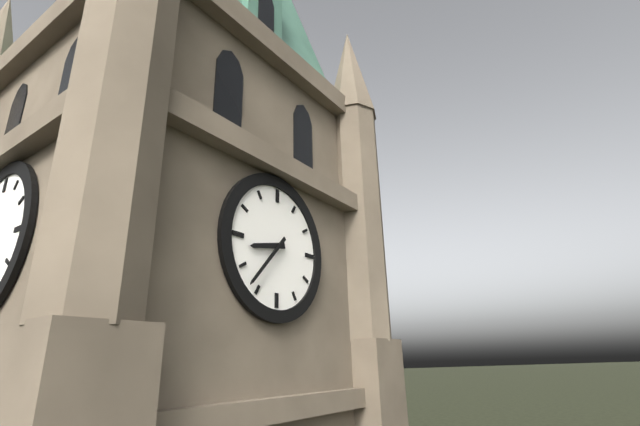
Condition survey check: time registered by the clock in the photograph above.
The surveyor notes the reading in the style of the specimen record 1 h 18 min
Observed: 8 h 37 min
